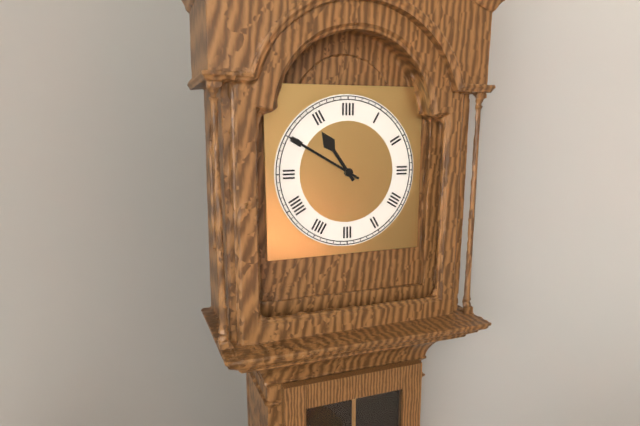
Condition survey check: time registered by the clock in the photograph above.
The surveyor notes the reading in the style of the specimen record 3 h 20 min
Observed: 10 h 50 min
